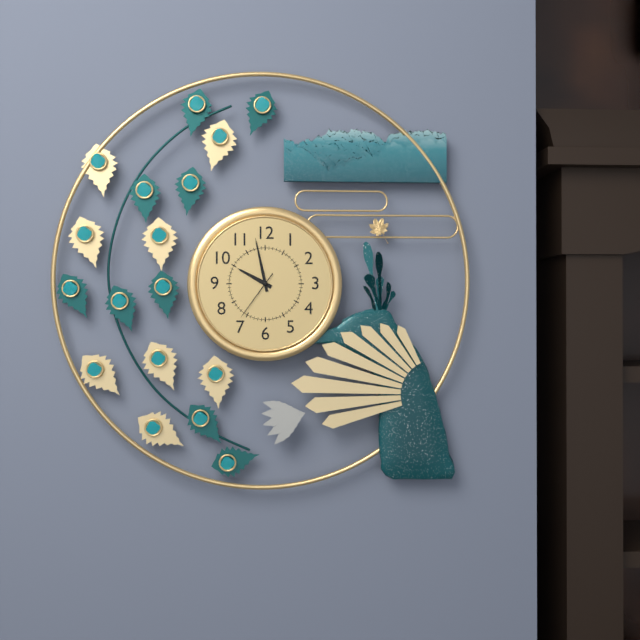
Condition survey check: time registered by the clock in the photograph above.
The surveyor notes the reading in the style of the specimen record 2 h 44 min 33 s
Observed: 9 h 58 min 36 s
